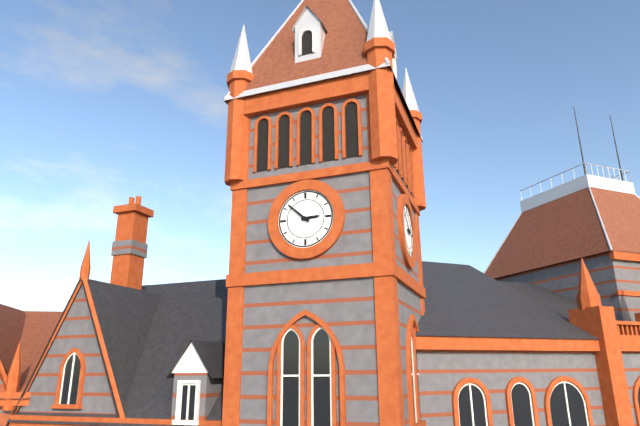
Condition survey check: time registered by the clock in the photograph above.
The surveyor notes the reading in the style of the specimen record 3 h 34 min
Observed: 2 h 52 min
